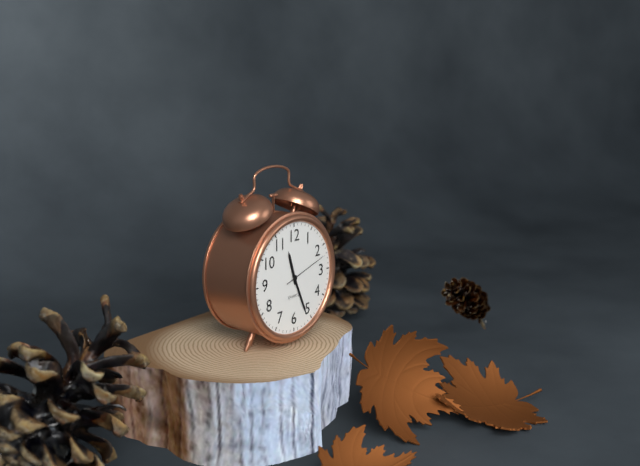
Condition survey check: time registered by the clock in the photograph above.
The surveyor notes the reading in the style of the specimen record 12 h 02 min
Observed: 11 h 26 min
